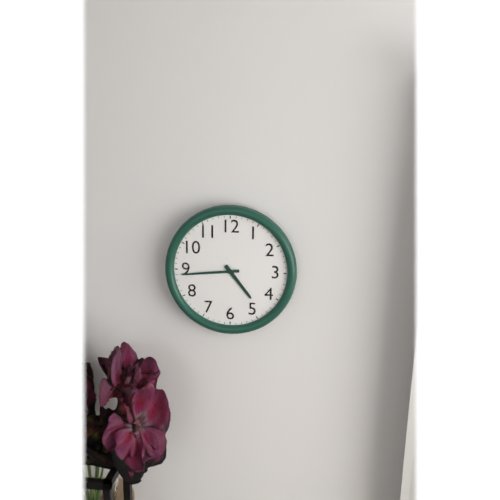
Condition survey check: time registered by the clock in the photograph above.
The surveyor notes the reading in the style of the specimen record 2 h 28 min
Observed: 4 h 44 min
